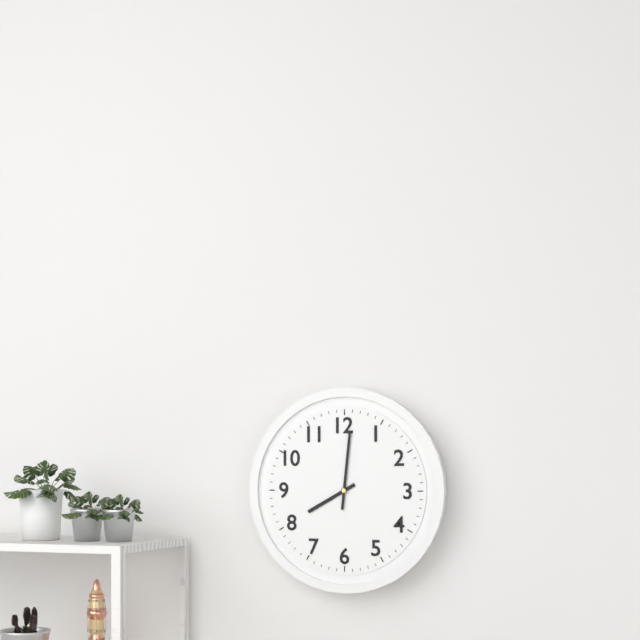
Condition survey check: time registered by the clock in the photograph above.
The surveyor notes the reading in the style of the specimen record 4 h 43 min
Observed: 8 h 01 min
